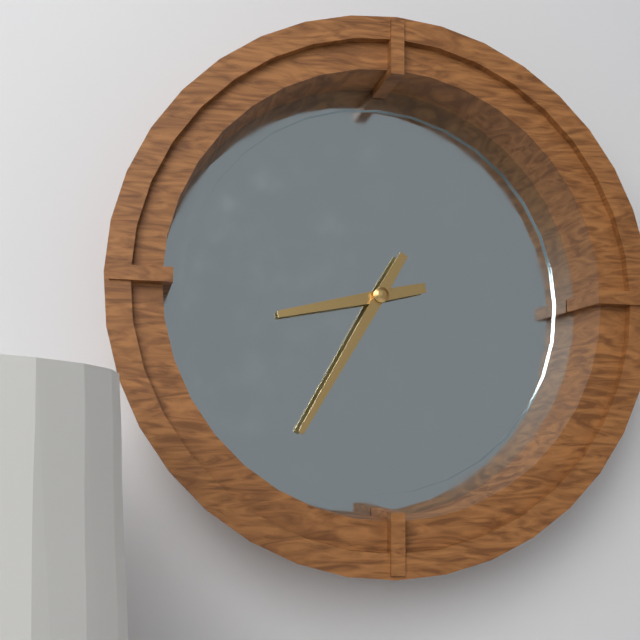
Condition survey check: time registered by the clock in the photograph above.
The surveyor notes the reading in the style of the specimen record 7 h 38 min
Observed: 8 h 35 min
